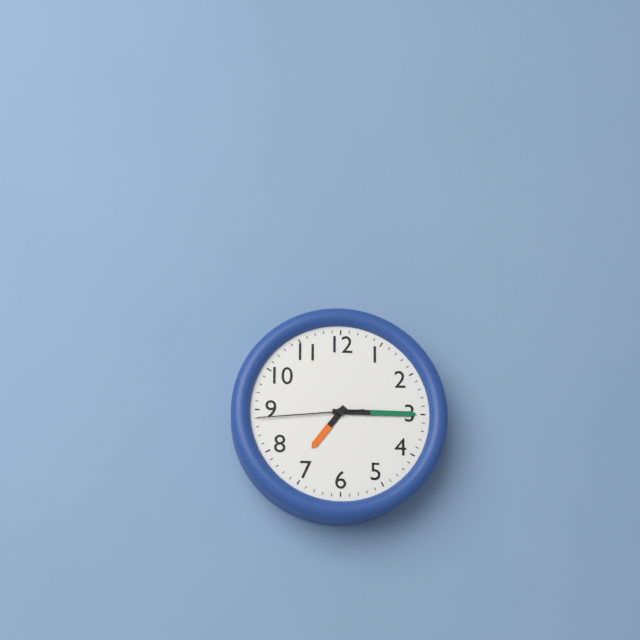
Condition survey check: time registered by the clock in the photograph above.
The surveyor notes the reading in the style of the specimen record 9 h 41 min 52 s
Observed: 7 h 15 min 44 s
